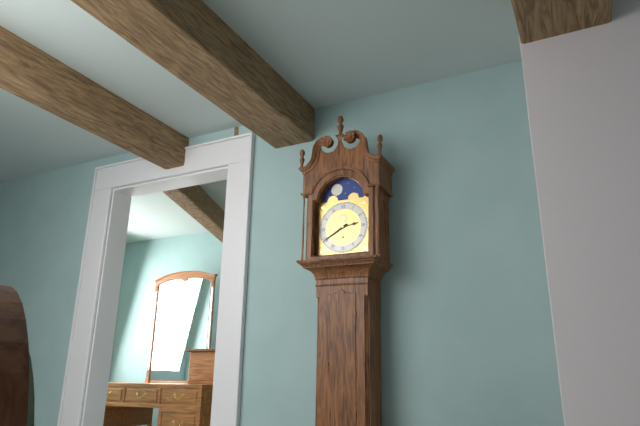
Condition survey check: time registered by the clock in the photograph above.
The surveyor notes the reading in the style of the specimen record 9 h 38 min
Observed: 2 h 40 min
